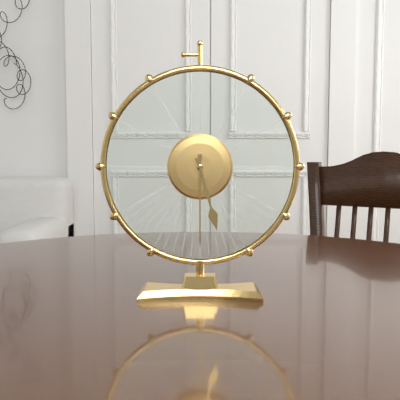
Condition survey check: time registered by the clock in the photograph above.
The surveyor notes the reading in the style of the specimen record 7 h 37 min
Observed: 5 h 30 min
